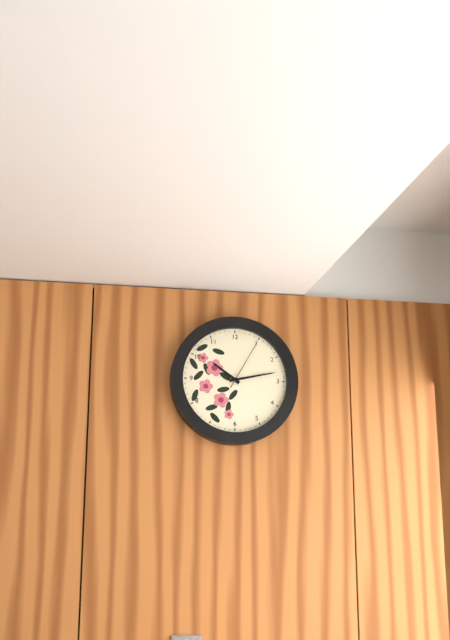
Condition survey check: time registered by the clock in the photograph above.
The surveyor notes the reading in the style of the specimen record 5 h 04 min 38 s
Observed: 10 h 13 min 05 s
